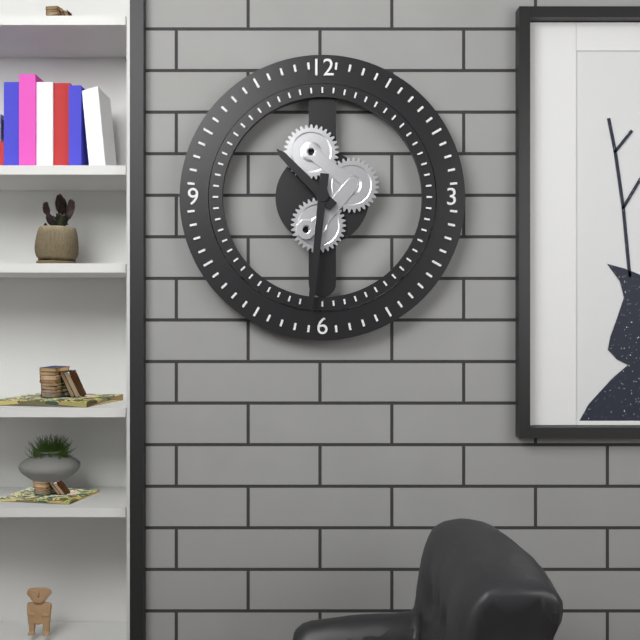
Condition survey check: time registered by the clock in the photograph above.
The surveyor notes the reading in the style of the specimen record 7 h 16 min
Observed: 10 h 31 min
